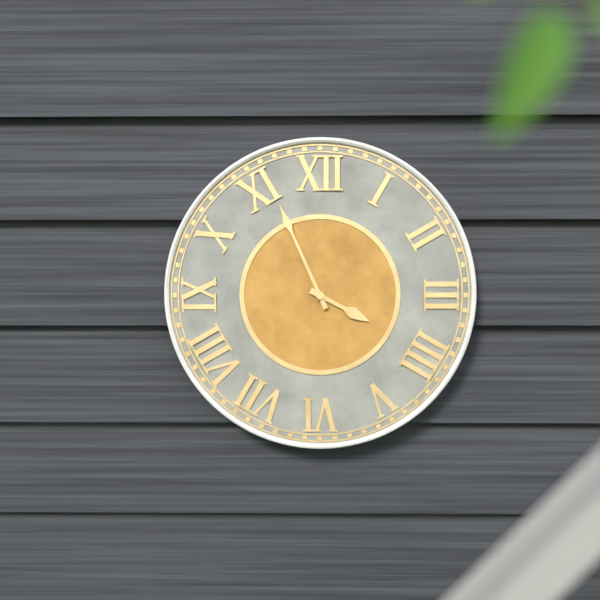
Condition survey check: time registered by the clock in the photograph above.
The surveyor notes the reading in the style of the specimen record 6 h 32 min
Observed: 3 h 56 min
